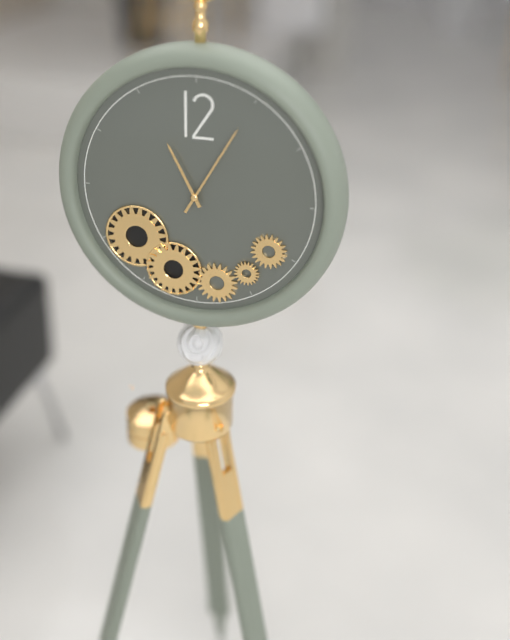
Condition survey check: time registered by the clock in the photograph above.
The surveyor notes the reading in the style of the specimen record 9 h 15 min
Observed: 11 h 05 min
